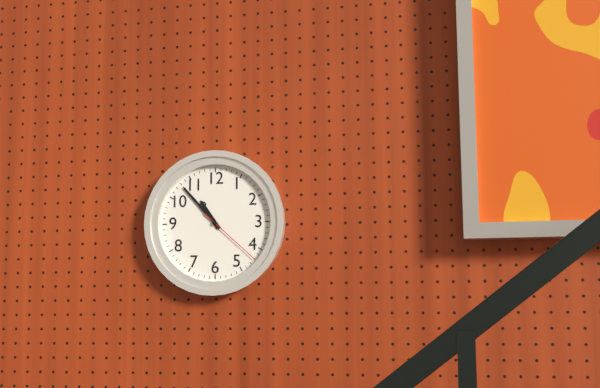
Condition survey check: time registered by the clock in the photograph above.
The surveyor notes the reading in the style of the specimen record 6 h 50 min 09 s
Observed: 10 h 53 min 22 s
